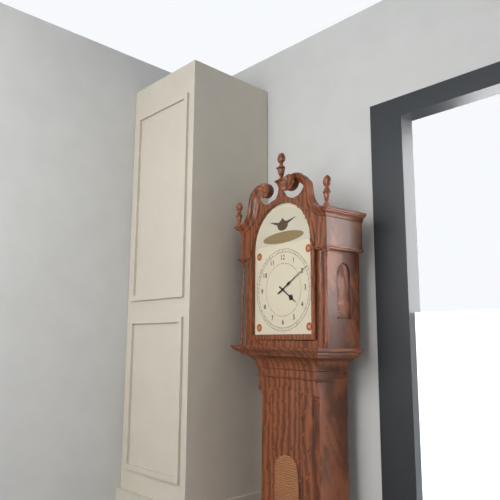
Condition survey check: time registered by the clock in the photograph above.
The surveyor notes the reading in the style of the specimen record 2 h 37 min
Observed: 4 h 10 min
